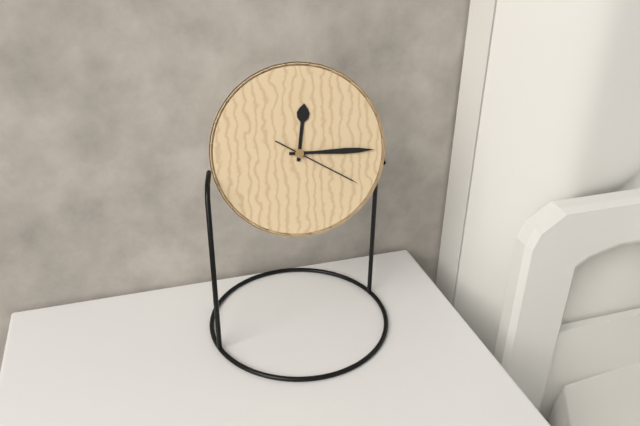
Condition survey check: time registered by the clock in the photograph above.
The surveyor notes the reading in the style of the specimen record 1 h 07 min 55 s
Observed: 12 h 15 min 20 s
